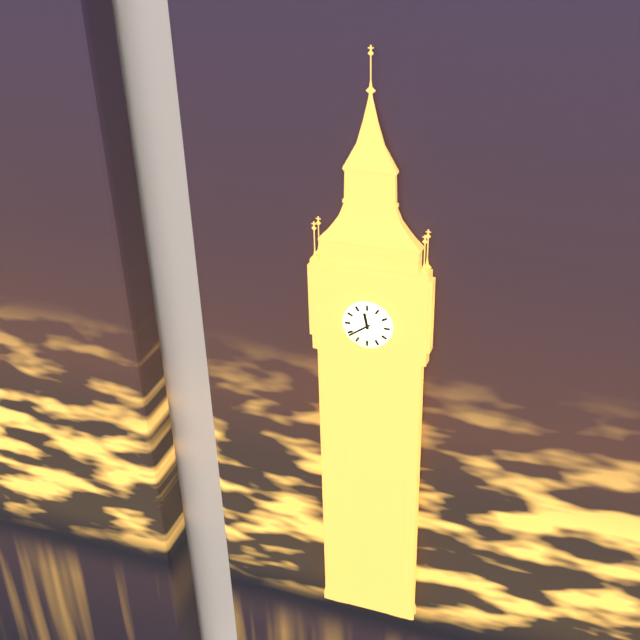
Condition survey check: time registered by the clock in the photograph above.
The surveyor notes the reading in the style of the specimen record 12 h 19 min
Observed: 11 h 39 min
